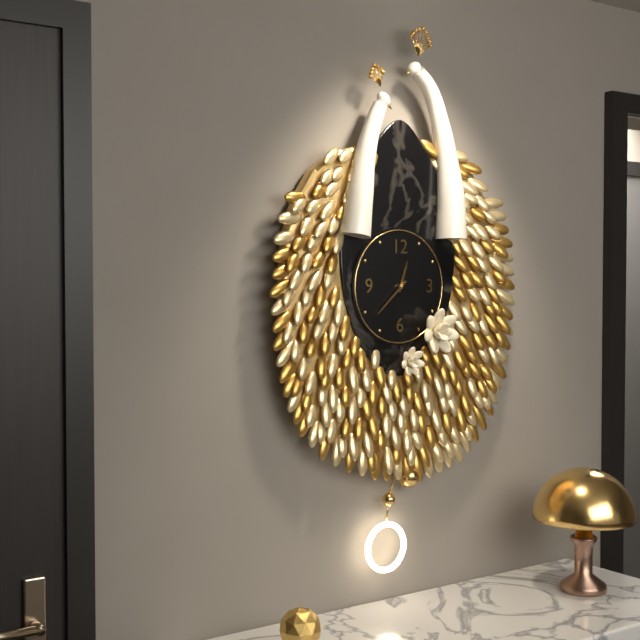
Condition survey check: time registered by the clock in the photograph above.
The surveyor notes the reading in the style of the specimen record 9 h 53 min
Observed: 12 h 38 min
